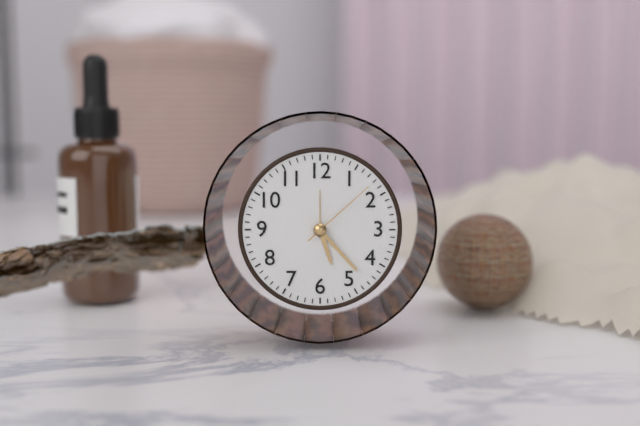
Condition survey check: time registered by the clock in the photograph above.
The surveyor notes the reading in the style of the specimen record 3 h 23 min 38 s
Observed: 5 h 23 min 08 s
